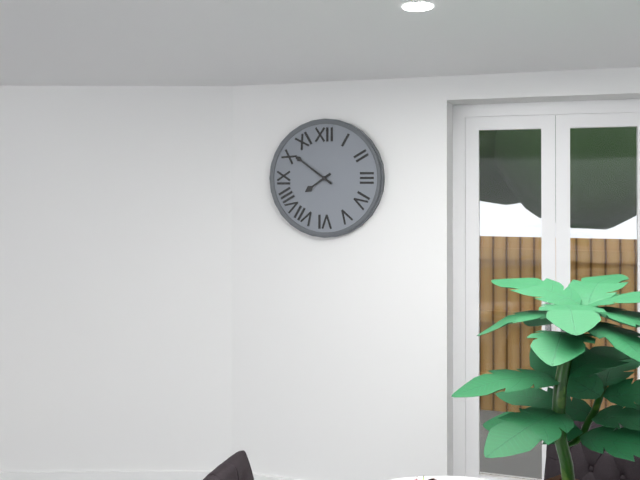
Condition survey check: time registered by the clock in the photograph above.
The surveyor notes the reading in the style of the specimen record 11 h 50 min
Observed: 7 h 51 min
